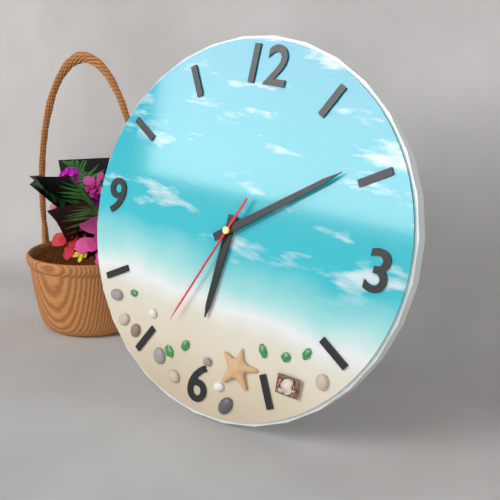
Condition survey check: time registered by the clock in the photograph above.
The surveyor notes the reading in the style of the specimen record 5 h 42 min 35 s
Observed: 6 h 09 min 34 s
